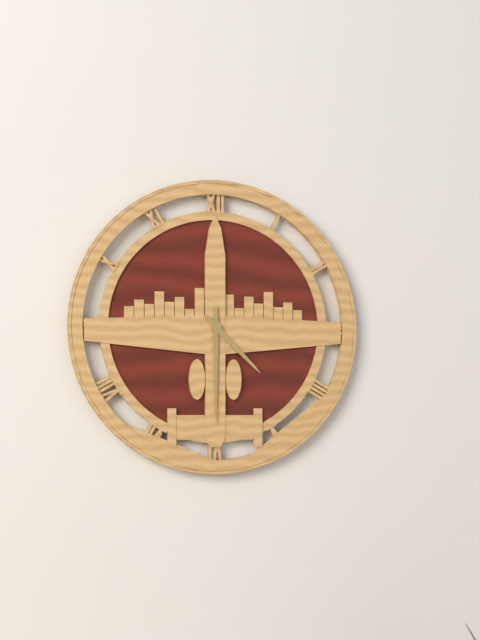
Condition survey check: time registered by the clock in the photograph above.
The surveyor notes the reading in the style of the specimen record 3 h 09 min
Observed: 4 h 30 min
